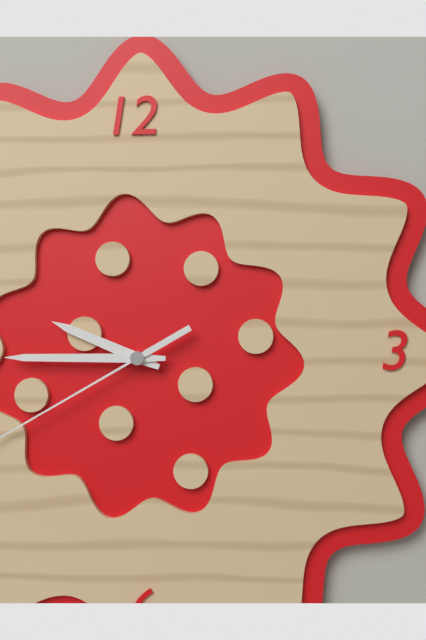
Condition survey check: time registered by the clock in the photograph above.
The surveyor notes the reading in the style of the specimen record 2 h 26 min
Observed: 9 h 45 min
